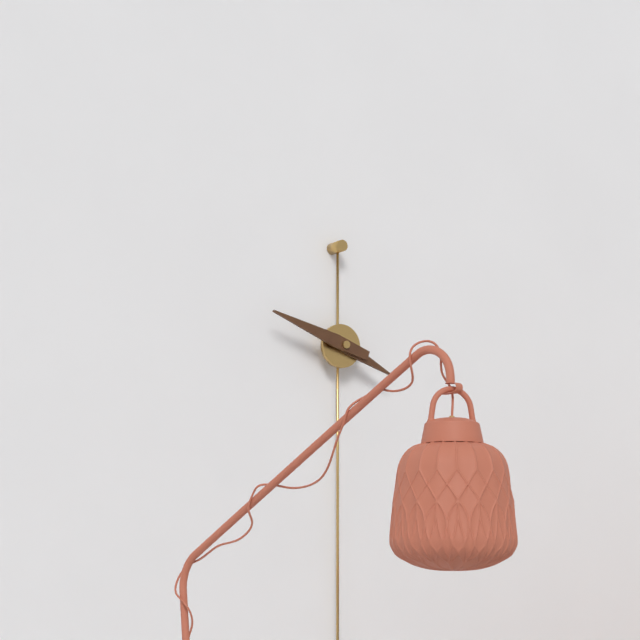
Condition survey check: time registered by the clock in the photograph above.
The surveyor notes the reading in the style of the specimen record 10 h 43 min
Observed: 3 h 48 min
